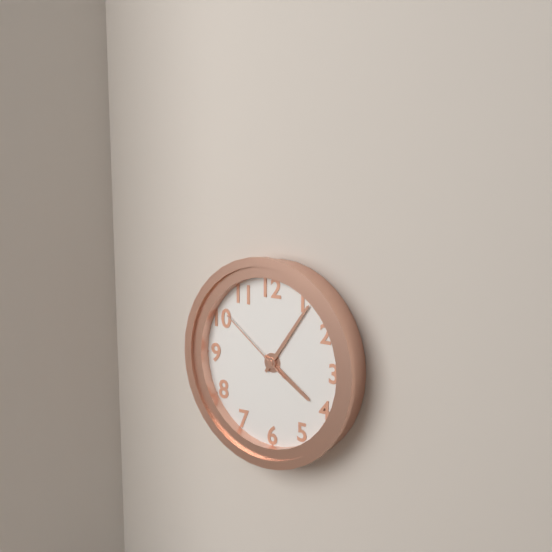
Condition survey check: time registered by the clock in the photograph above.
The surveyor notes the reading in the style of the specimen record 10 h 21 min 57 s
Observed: 4 h 06 min 51 s
